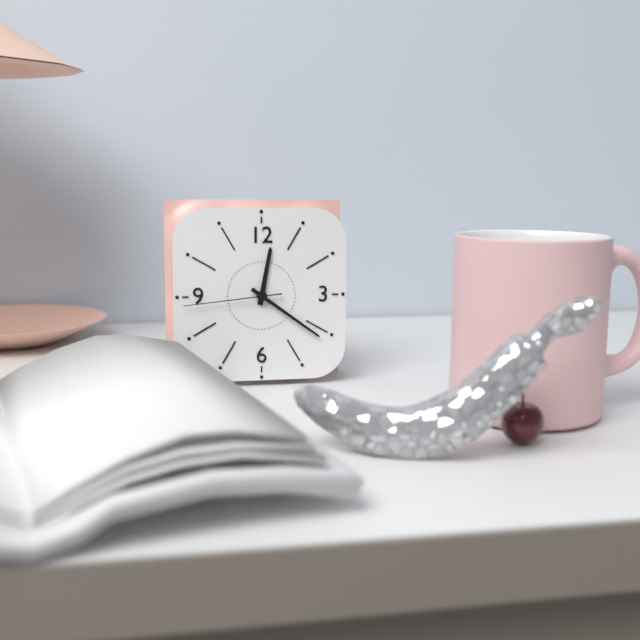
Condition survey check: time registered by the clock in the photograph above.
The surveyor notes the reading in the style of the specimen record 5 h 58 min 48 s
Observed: 12 h 21 min 44 s
